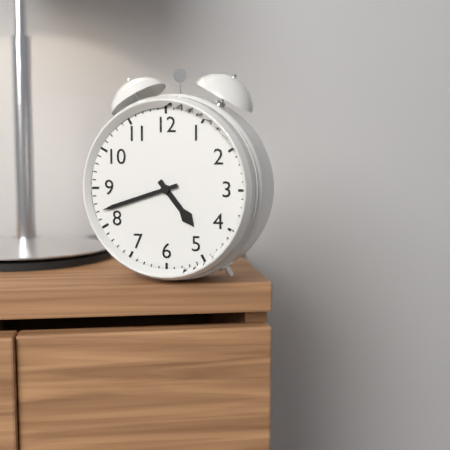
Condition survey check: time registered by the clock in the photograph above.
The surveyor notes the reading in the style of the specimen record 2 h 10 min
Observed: 4 h 42 min
